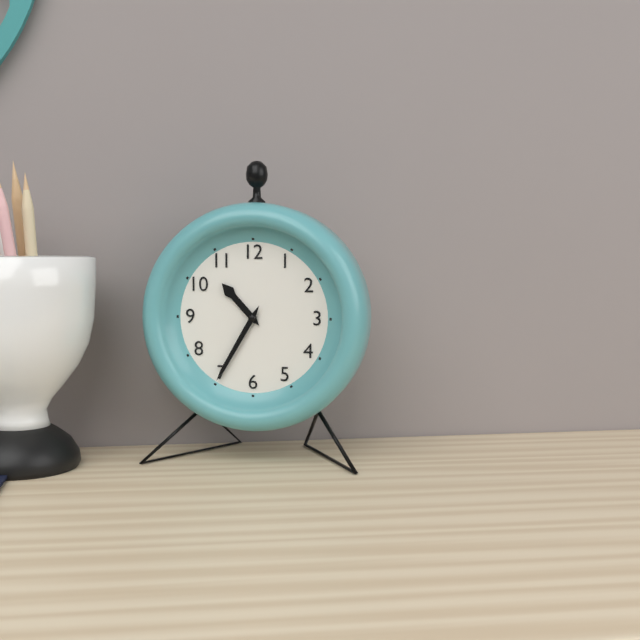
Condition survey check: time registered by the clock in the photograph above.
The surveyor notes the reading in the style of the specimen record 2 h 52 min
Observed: 10 h 35 min
